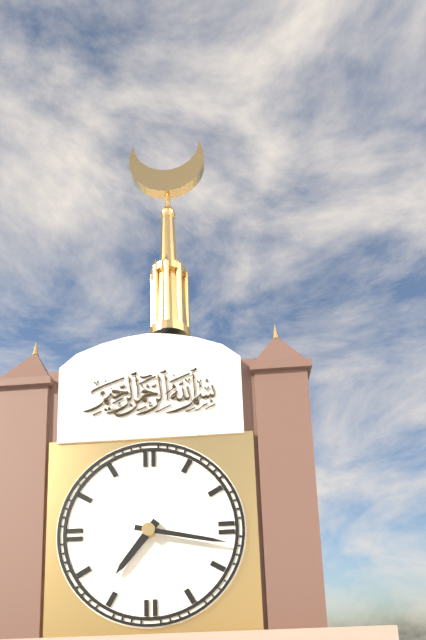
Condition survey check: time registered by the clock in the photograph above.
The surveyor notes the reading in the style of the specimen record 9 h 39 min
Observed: 7 h 17 min
